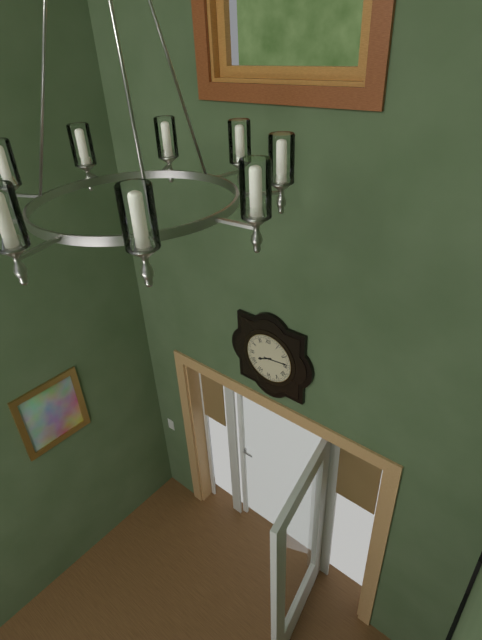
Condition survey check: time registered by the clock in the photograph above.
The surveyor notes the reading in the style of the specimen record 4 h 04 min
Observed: 8 h 14 min
